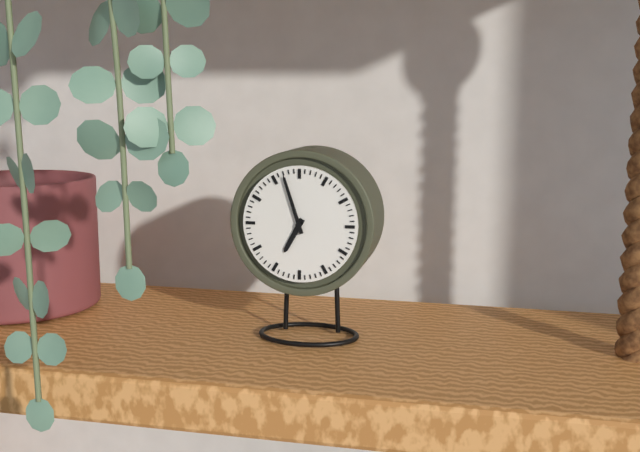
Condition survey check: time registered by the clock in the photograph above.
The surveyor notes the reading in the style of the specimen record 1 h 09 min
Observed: 6 h 57 min
